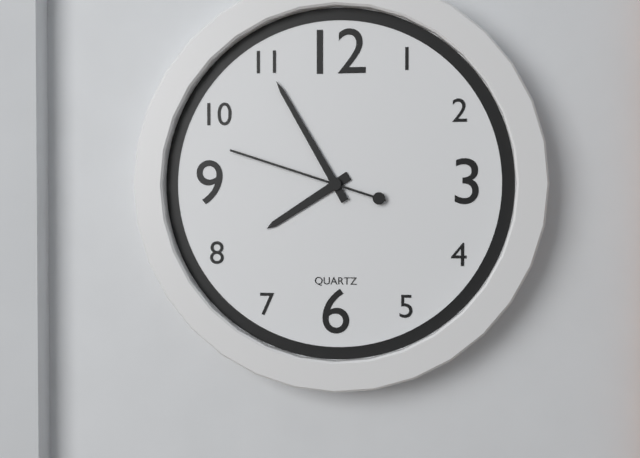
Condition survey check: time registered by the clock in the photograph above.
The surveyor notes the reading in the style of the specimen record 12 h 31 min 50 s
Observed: 7 h 55 min 48 s
